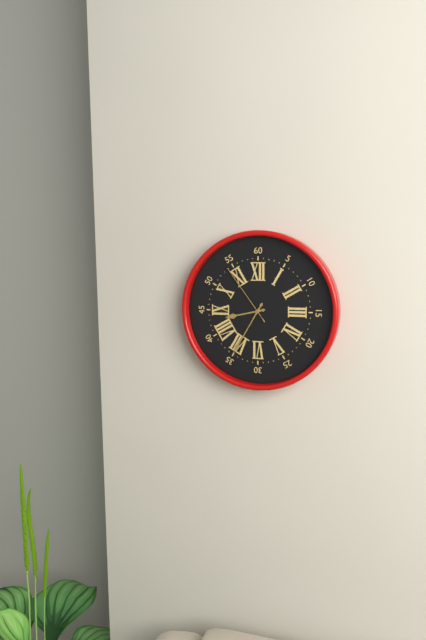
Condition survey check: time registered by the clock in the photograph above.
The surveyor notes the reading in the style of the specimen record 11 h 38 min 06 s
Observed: 8 h 35 min 54 s
